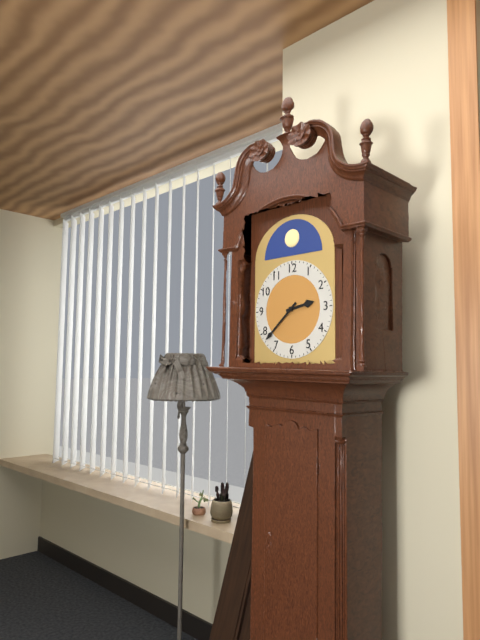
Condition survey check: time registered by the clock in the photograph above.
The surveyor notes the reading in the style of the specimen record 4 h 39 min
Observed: 2 h 38 min
